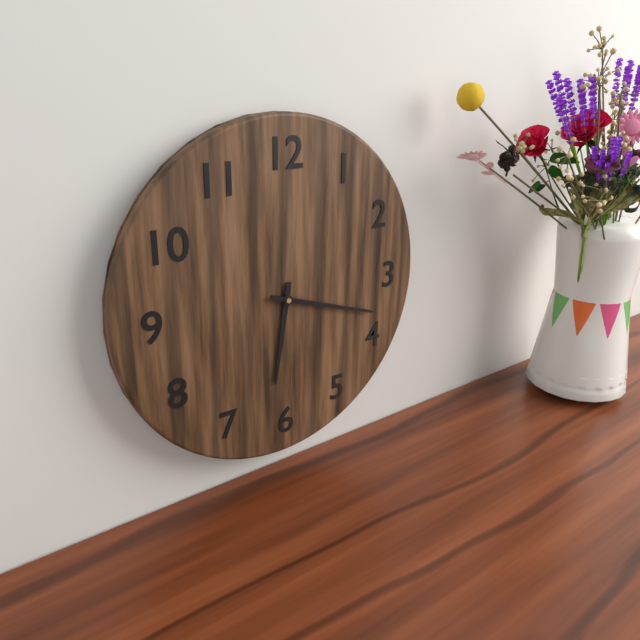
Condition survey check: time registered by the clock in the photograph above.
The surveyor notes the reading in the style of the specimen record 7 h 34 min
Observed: 6 h 18 min
